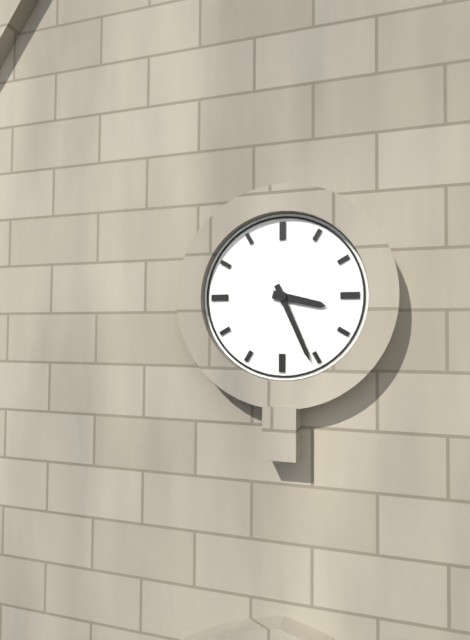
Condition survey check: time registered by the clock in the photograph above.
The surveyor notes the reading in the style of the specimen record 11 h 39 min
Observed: 3 h 26 min
